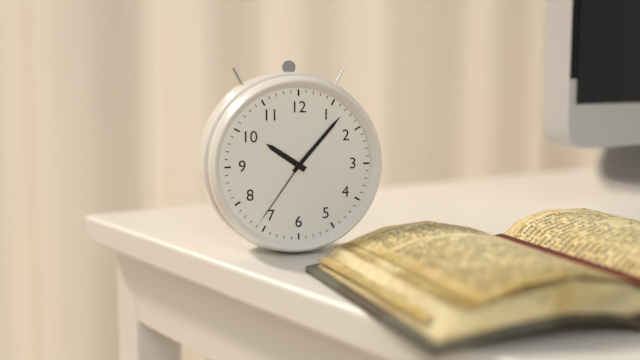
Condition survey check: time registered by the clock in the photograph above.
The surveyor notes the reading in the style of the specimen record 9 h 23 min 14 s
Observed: 10 h 07 min 36 s
